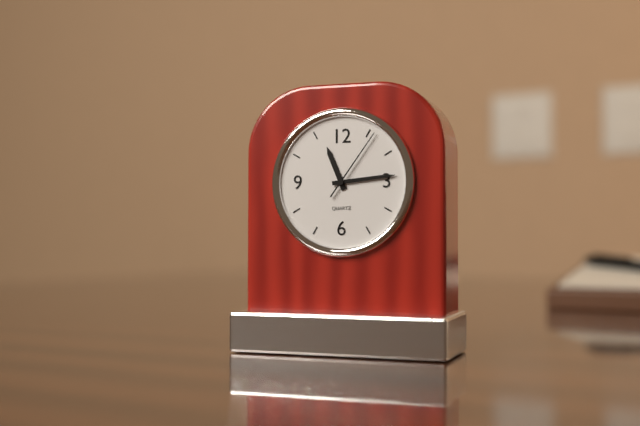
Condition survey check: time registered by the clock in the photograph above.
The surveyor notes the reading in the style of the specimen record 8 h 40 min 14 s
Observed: 11 h 14 min 06 s
